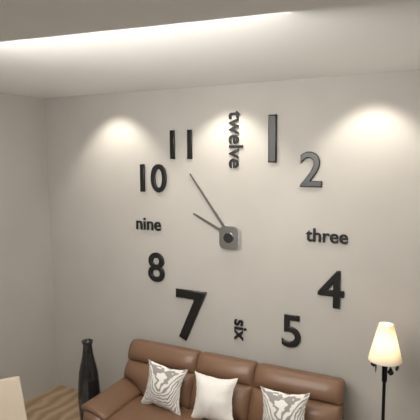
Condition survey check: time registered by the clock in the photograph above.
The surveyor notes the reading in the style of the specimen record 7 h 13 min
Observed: 9 h 54 min
